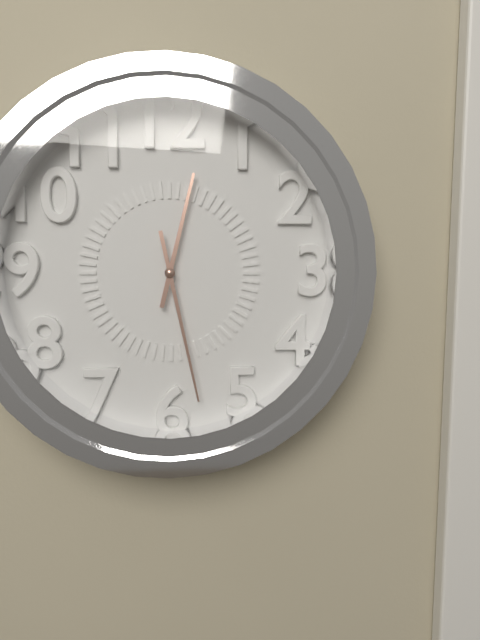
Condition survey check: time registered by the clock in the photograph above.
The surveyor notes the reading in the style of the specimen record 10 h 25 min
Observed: 12 h 28 min
